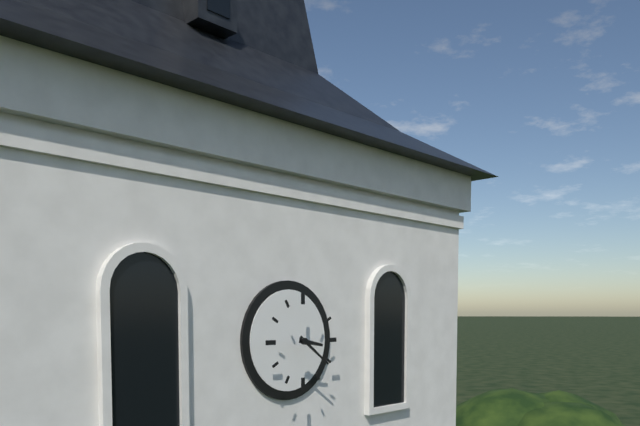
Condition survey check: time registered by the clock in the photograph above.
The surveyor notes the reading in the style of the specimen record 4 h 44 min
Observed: 3 h 21 min
